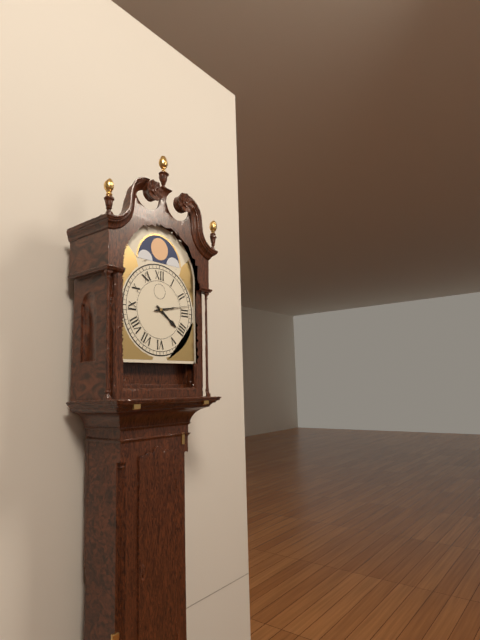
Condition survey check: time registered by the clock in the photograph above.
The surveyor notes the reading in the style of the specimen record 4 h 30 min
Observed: 4 h 13 min
